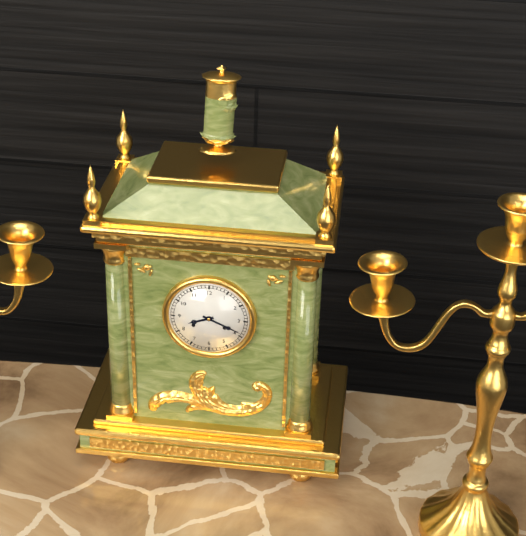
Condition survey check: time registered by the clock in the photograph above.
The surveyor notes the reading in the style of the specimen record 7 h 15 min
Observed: 8 h 19 min
